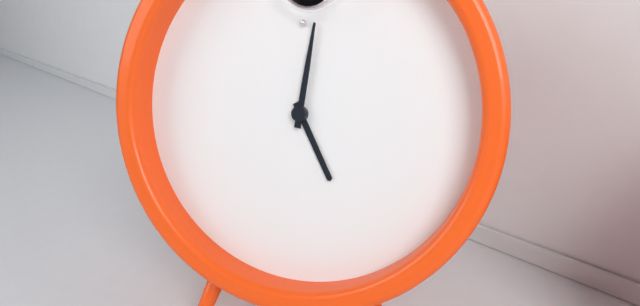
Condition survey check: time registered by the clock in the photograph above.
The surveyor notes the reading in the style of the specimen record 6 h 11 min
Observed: 5 h 01 min
